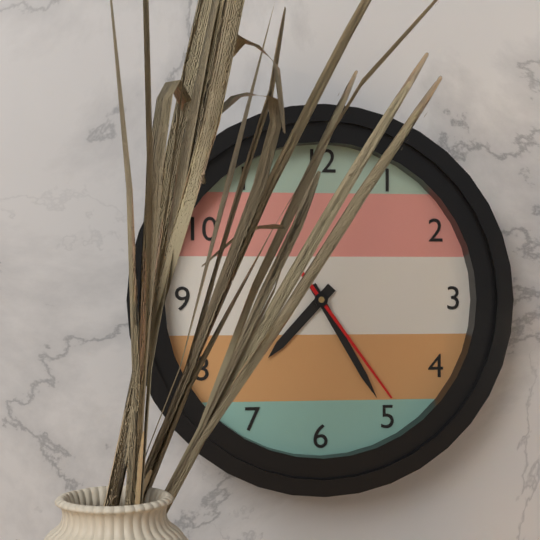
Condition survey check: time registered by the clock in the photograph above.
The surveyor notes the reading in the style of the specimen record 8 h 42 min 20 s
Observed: 7 h 25 min 24 s
